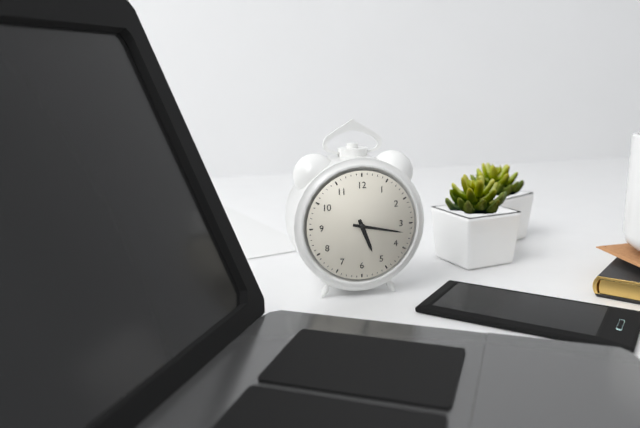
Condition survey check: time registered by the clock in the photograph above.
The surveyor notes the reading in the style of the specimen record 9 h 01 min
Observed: 5 h 17 min
